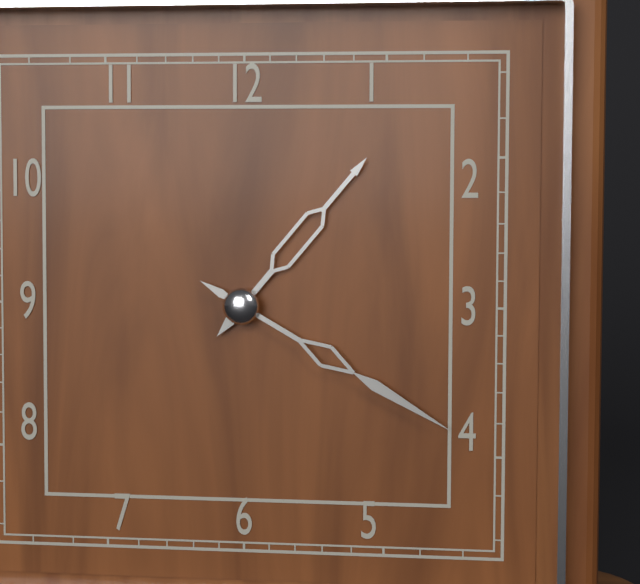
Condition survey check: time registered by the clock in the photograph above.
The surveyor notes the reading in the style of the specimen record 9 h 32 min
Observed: 1 h 20 min
